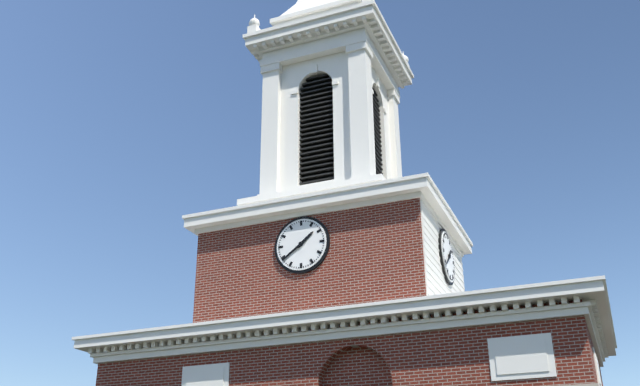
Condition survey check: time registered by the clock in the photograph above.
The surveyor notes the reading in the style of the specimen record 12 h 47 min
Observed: 1 h 39 min
